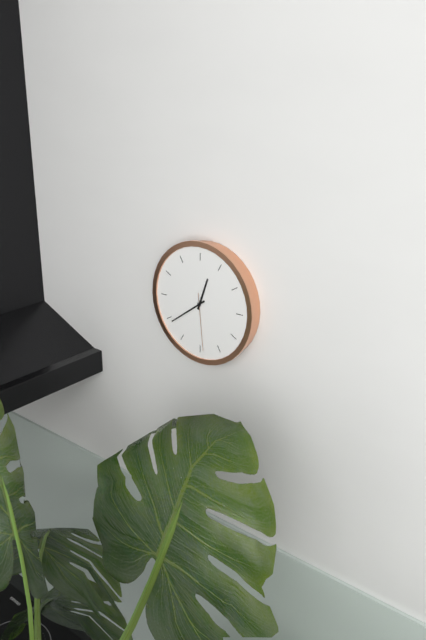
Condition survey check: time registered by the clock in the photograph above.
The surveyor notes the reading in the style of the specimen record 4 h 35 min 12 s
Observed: 12 h 39 min 29 s
